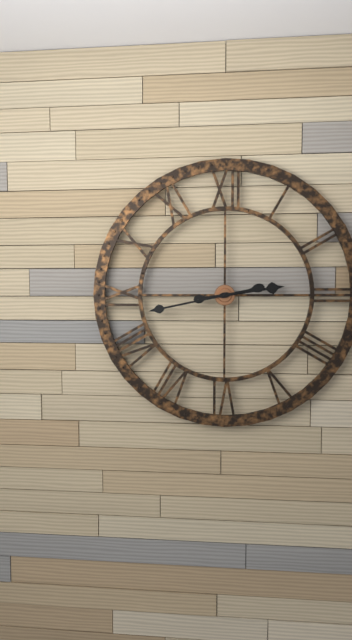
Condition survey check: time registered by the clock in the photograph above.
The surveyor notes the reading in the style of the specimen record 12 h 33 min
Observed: 2 h 43 min
